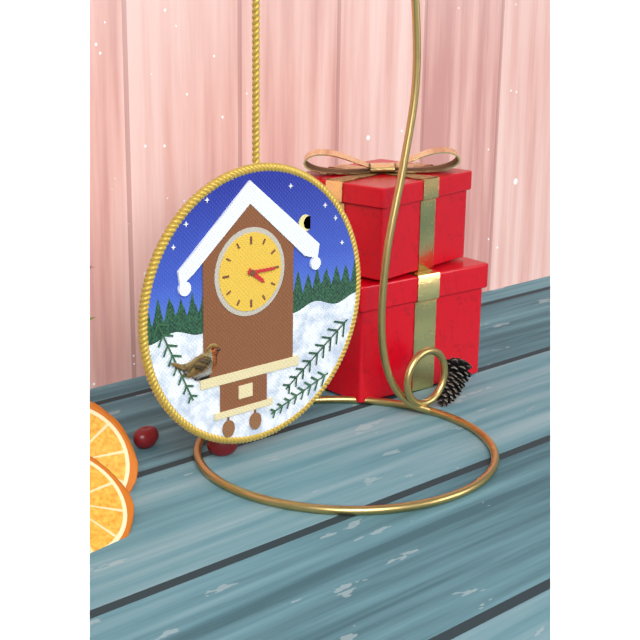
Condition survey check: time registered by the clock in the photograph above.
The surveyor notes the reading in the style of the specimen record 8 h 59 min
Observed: 4 h 15 min
